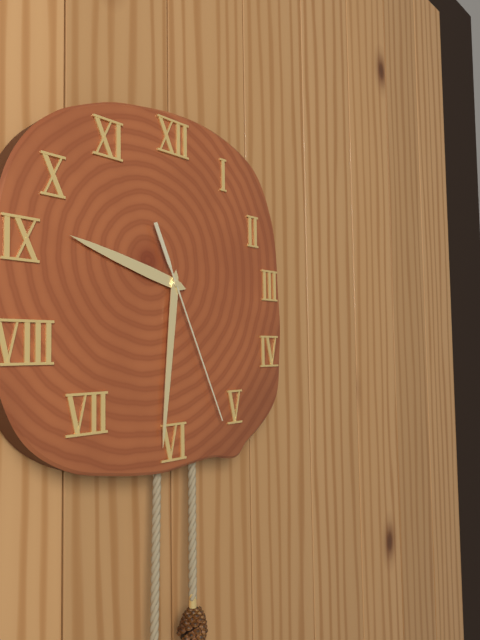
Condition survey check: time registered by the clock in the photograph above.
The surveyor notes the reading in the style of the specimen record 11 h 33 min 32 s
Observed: 9 h 31 min 26 s
